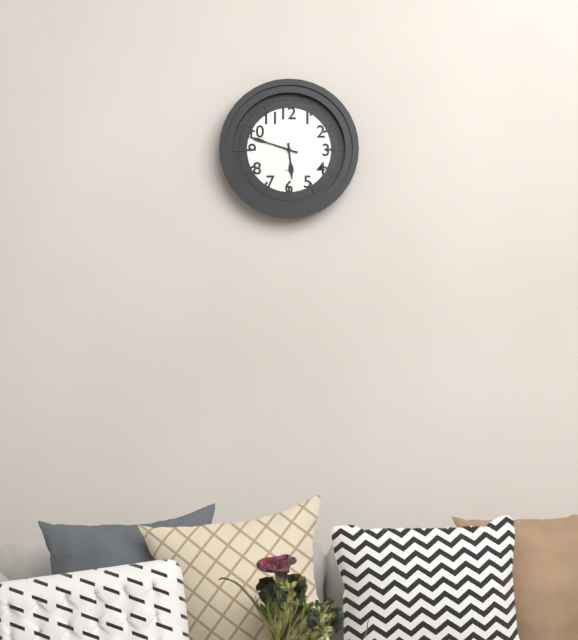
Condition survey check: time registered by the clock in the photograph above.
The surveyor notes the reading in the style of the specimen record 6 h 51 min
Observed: 5 h 48 min
